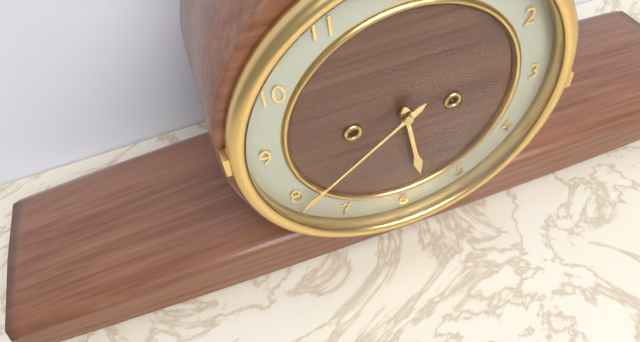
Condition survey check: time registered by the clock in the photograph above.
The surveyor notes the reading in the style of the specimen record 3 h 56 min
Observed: 5 h 39 min
